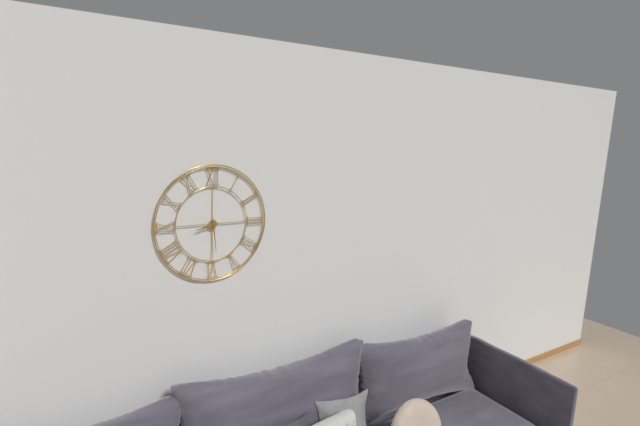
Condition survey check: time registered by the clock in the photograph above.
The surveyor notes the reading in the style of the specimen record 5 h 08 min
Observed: 8 h 29 min
